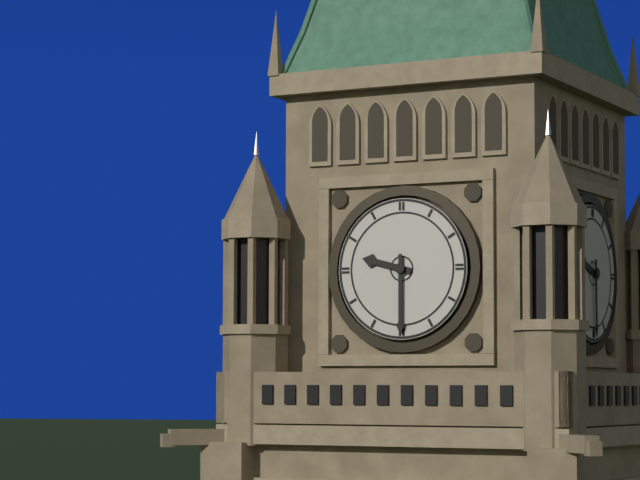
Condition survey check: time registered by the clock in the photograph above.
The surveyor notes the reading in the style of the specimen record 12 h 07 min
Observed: 9 h 30 min
